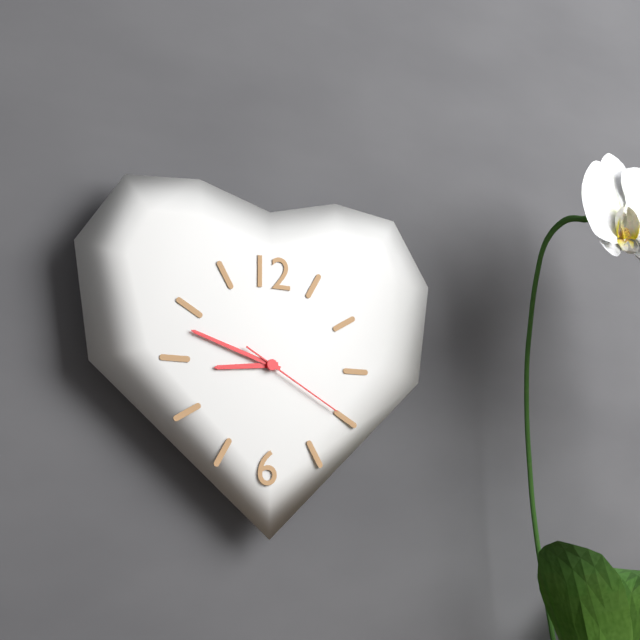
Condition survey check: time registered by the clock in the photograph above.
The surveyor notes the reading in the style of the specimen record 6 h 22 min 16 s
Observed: 8 h 48 min 20 s
